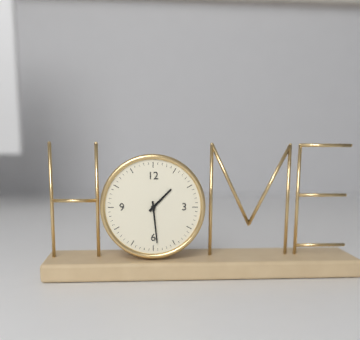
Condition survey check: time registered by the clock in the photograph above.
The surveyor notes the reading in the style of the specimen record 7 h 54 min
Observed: 1 h 29 min
